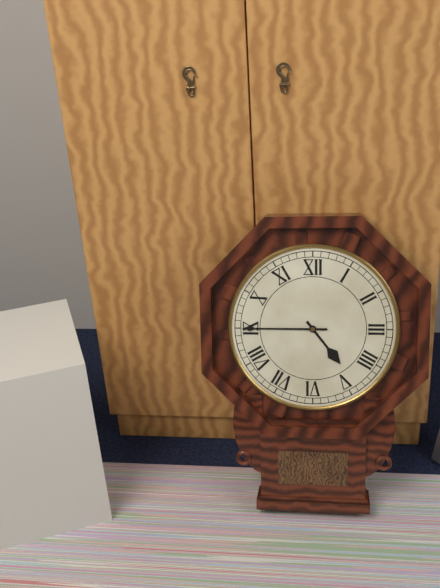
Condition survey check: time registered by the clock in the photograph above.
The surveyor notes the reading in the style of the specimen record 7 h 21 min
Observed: 4 h 45 min
